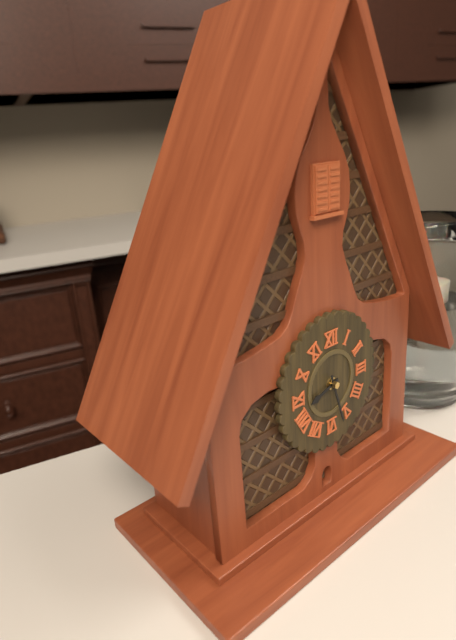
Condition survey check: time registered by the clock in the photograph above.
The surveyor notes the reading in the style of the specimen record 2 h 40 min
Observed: 8 h 27 min
